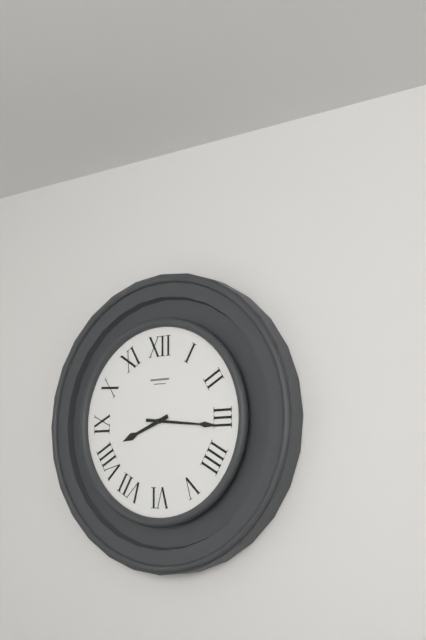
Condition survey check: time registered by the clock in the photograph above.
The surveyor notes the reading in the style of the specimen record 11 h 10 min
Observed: 8 h 16 min
